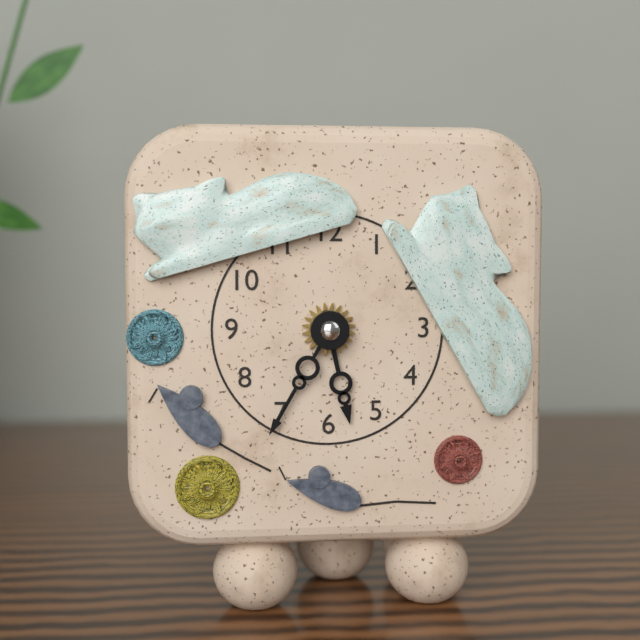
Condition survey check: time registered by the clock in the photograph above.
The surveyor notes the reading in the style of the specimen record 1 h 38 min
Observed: 5 h 35 min
